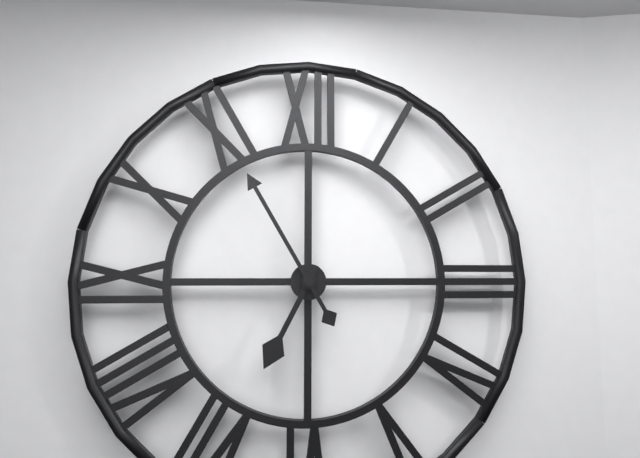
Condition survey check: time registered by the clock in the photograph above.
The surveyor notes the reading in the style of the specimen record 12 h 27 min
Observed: 6 h 55 min
